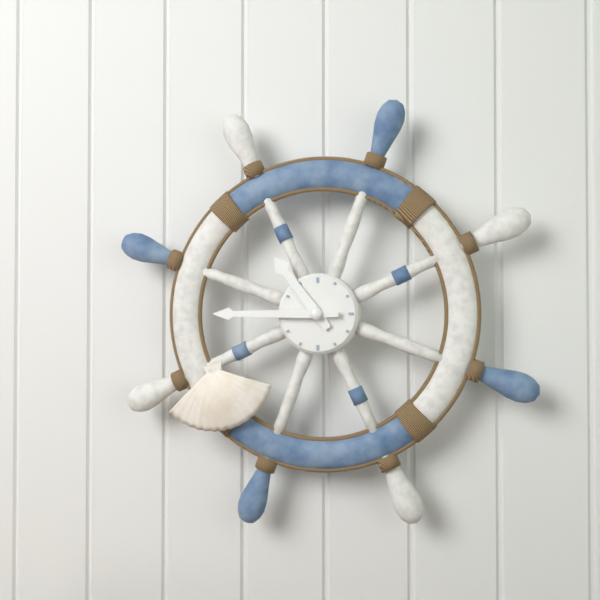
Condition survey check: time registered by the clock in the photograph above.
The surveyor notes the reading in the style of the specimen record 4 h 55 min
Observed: 10 h 45 min
